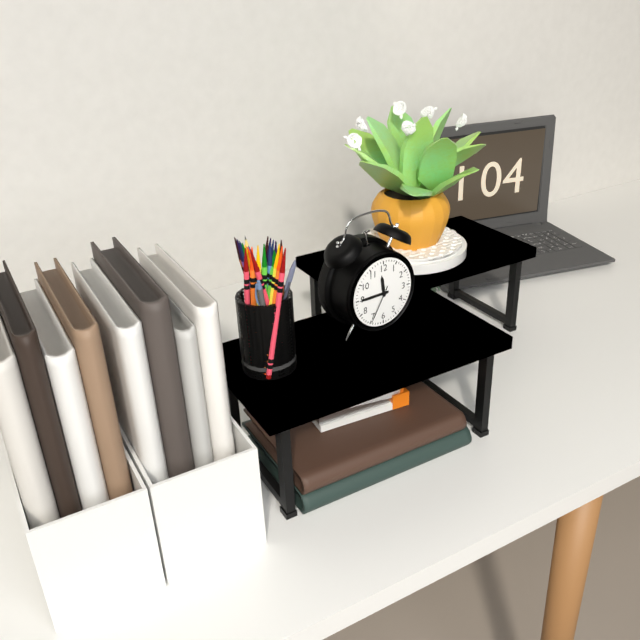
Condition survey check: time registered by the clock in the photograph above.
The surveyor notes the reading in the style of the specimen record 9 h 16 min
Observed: 11 h 45 min
